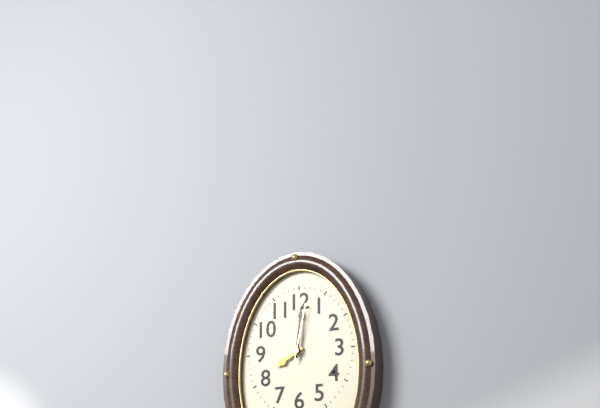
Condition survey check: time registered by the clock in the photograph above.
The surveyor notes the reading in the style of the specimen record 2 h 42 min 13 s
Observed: 8 h 01 min 02 s
